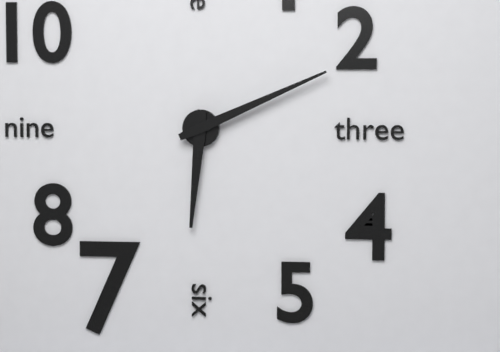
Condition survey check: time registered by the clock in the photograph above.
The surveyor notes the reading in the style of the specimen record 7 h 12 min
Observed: 6 h 11 min
